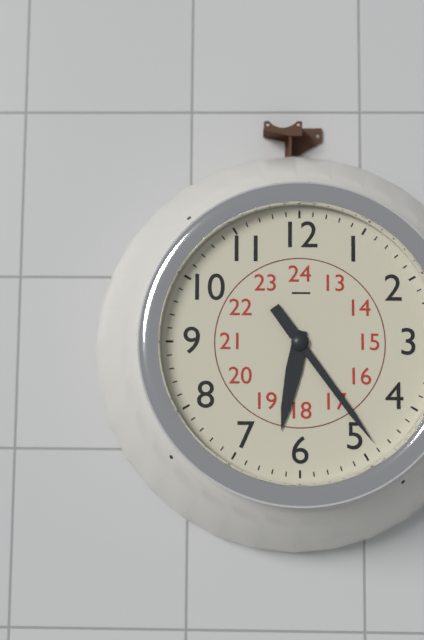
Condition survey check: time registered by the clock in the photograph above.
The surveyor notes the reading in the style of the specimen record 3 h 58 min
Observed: 6 h 24 min
